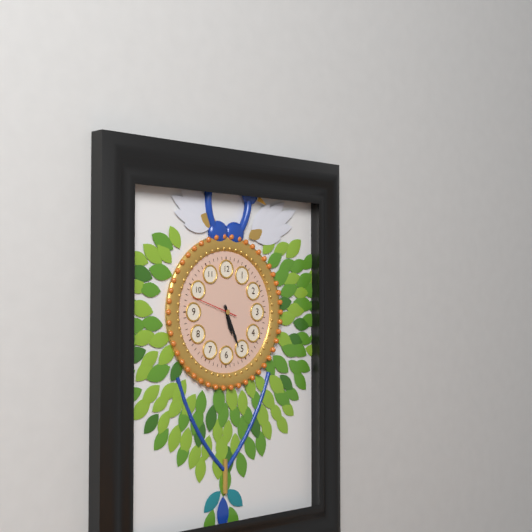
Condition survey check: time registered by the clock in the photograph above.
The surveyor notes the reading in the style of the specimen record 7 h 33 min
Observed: 5 h 26 min
